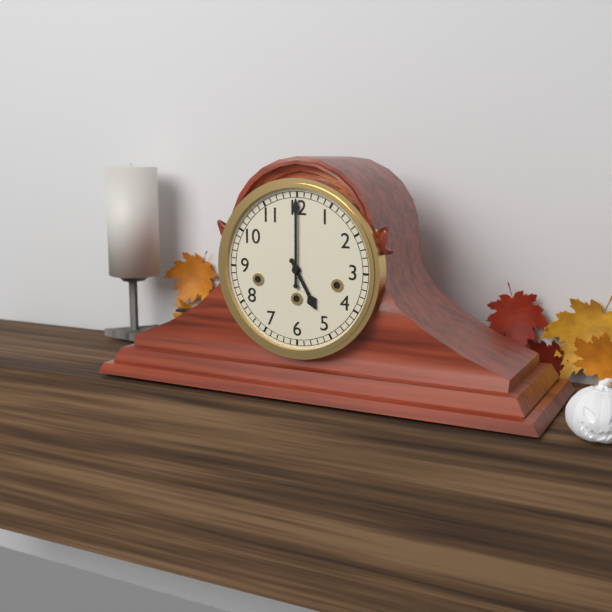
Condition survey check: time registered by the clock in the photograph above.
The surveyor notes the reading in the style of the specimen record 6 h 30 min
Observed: 5 h 00 min
